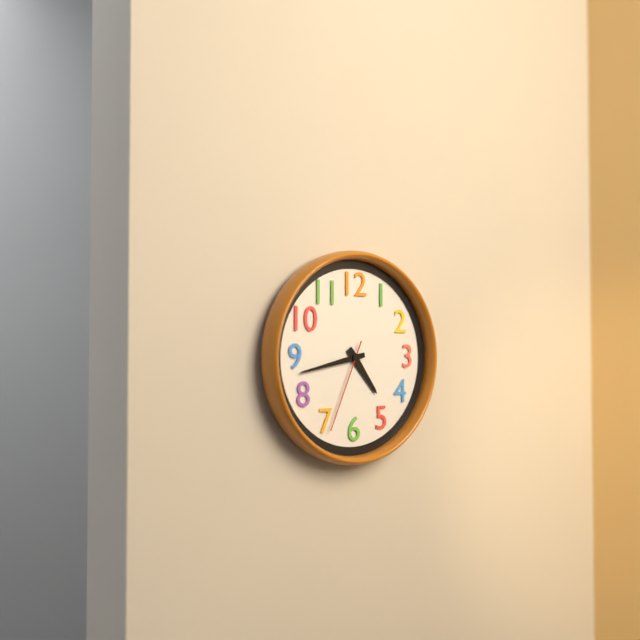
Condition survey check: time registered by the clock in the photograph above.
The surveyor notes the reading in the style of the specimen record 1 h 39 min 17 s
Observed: 4 h 43 min 34 s
